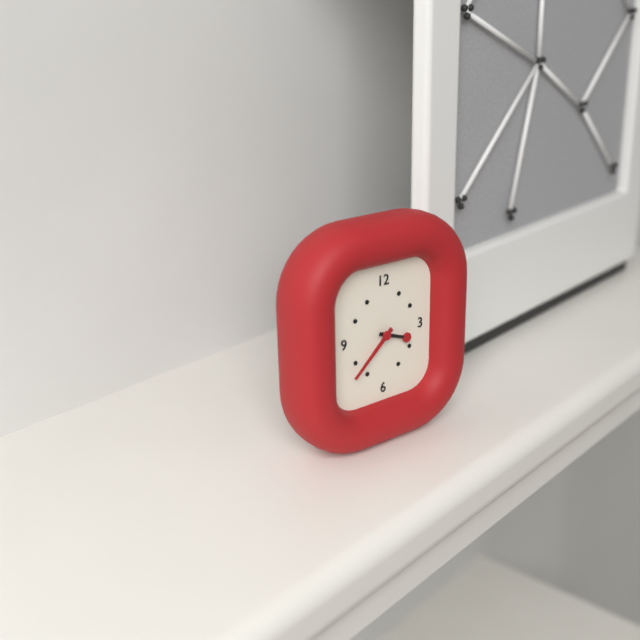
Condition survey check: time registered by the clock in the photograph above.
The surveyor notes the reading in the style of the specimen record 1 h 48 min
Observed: 3 h 38 min
